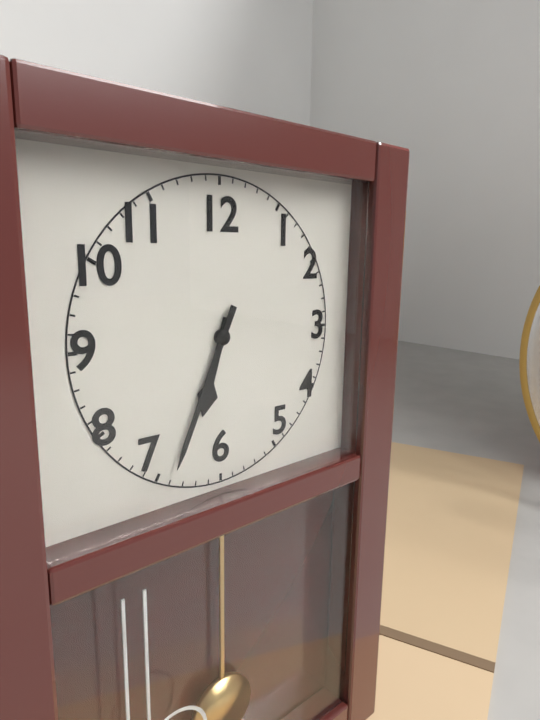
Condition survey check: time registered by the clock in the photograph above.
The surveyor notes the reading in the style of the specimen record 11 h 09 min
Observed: 6 h 34 min
